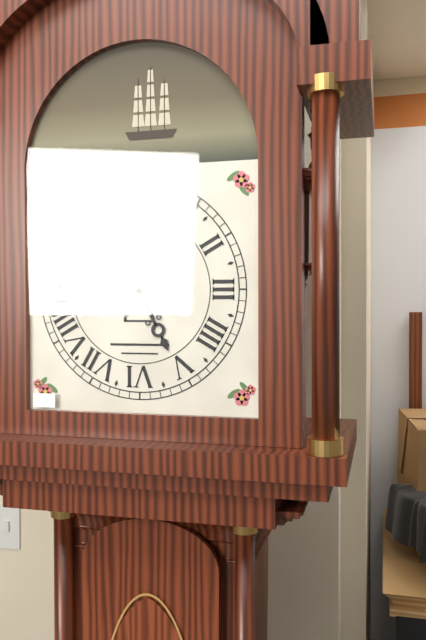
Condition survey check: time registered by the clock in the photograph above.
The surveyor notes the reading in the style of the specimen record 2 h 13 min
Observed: 5 h 06 min
